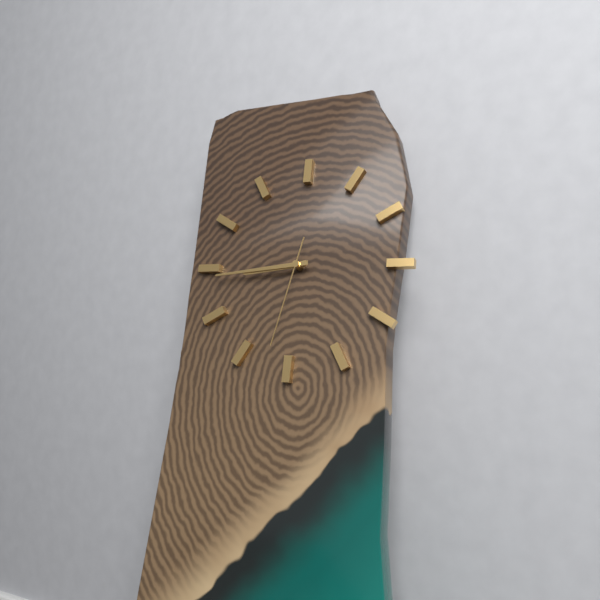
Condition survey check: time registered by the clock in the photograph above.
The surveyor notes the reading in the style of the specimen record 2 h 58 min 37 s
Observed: 8 h 44 min 32 s
